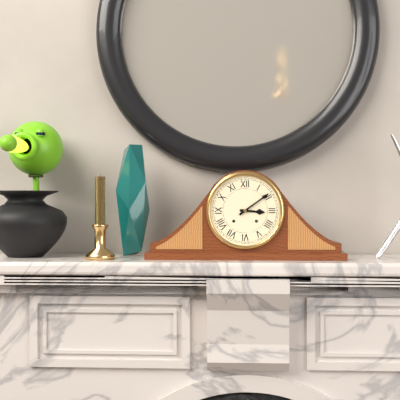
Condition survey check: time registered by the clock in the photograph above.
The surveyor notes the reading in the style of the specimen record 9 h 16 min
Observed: 3 h 09 min
